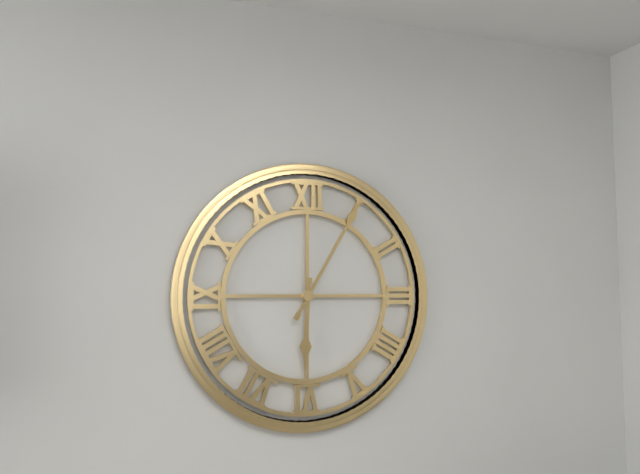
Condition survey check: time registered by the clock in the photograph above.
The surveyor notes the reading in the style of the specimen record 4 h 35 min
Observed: 6 h 05 min
